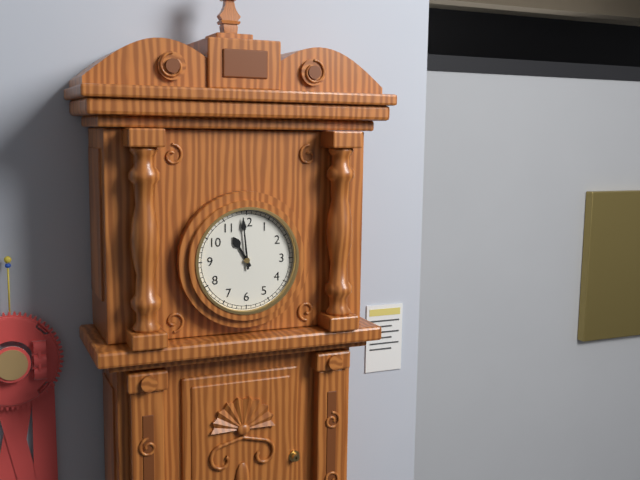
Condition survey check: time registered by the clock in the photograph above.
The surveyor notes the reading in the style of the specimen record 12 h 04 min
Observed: 10 h 59 min
